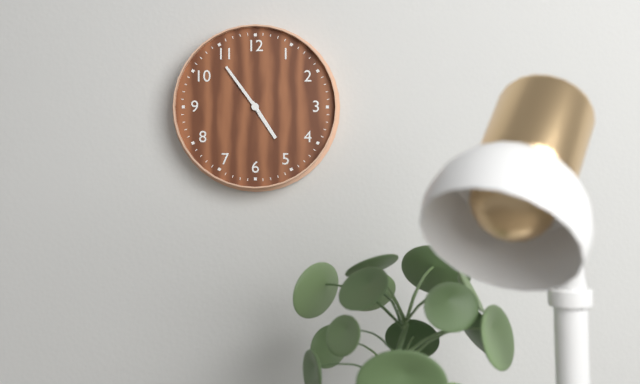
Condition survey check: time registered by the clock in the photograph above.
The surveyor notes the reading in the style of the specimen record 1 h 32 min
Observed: 4 h 54 min
